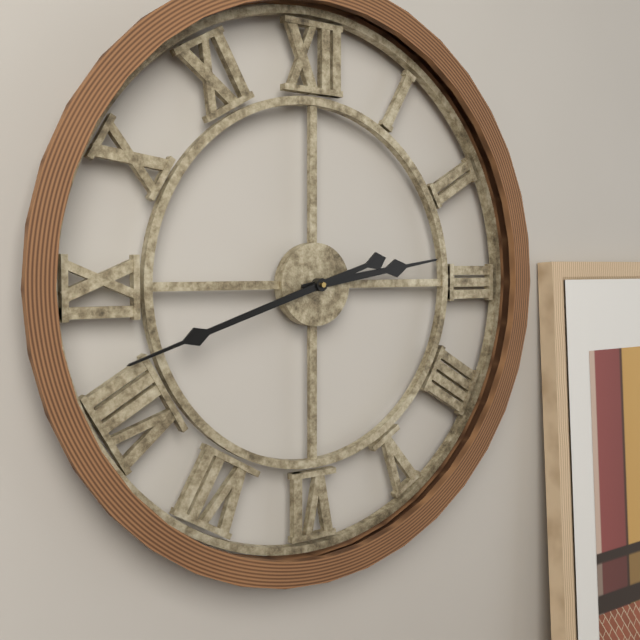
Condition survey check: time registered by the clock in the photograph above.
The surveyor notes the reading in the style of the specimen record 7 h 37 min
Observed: 2 h 42 min
